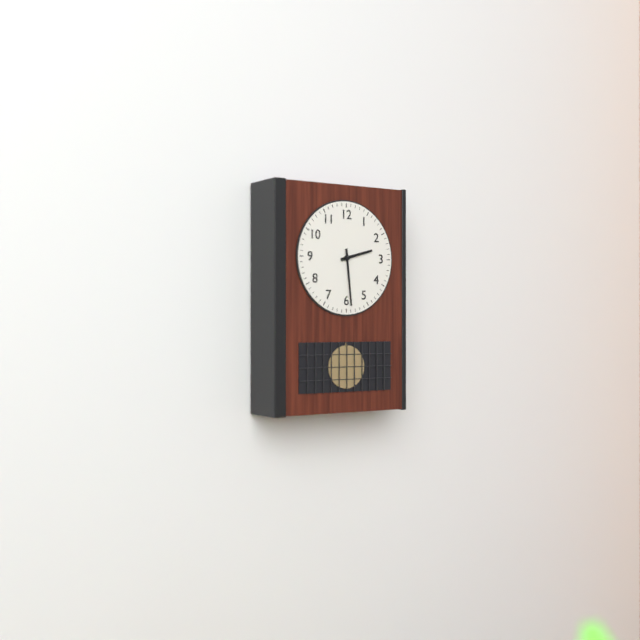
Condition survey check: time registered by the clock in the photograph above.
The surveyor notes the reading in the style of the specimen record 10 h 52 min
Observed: 2 h 29 min
